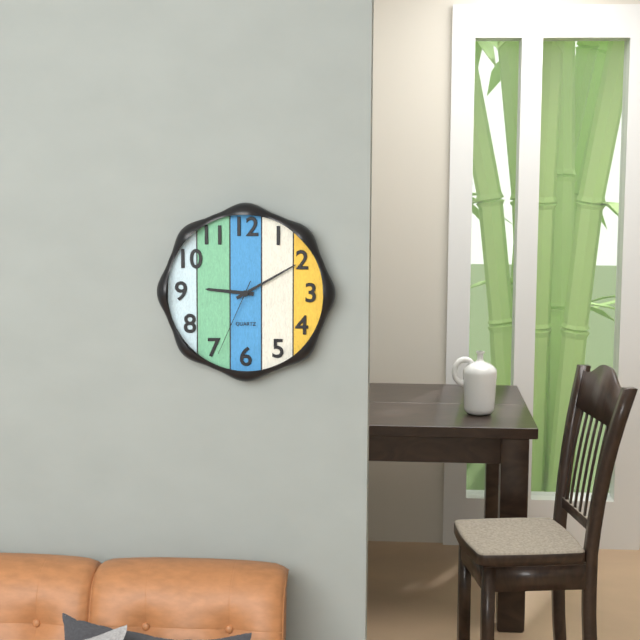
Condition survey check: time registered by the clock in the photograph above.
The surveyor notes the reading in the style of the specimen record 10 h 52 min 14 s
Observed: 9 h 10 min 34 s
